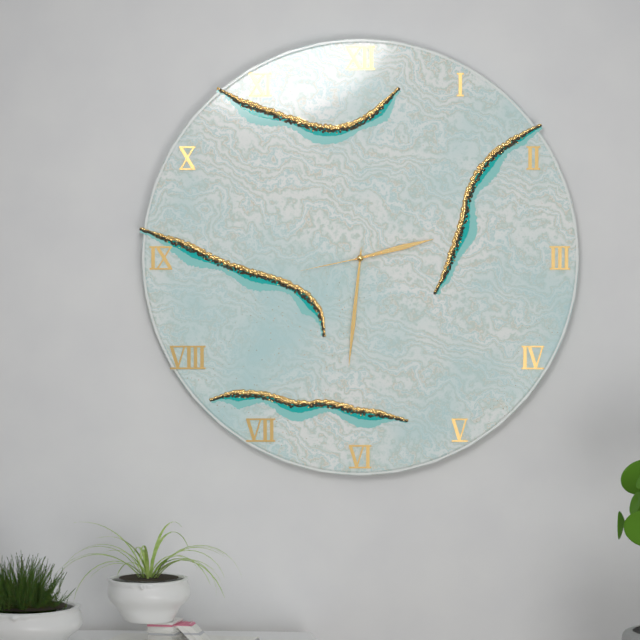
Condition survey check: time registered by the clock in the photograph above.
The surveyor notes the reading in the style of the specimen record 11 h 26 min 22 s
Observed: 2 h 31 min 43 s
